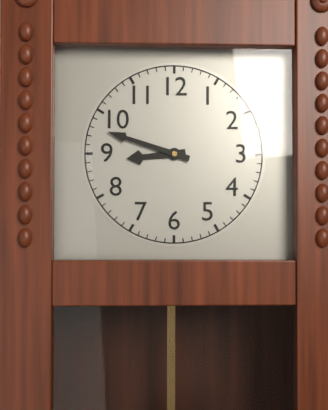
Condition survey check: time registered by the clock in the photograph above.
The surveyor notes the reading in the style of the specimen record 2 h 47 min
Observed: 8 h 48 min
